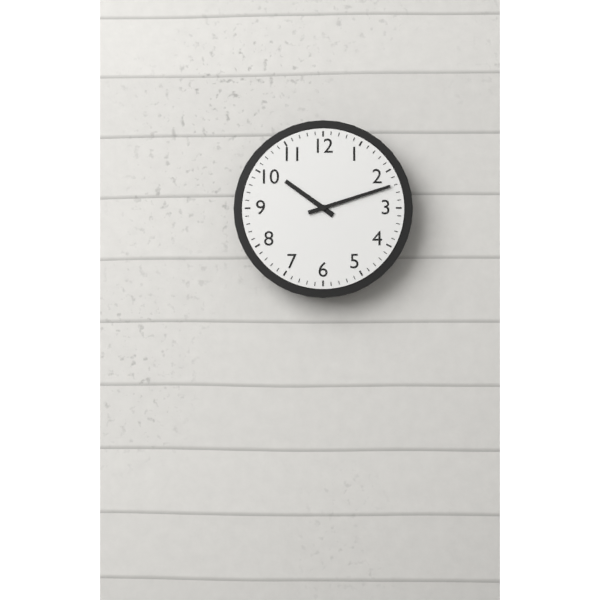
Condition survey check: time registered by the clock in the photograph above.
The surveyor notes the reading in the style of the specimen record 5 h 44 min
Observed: 10 h 12 min
